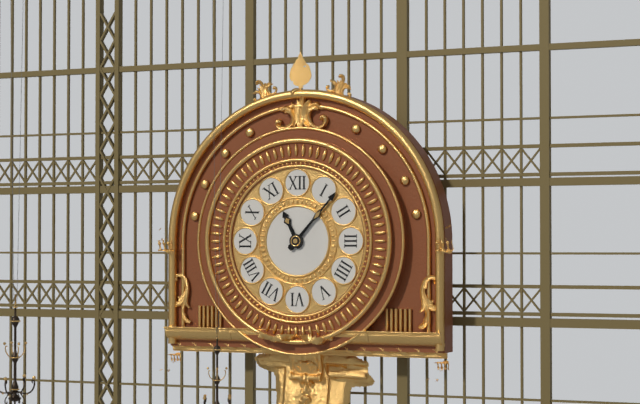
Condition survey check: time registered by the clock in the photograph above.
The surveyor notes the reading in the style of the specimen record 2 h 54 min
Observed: 11 h 07 min
